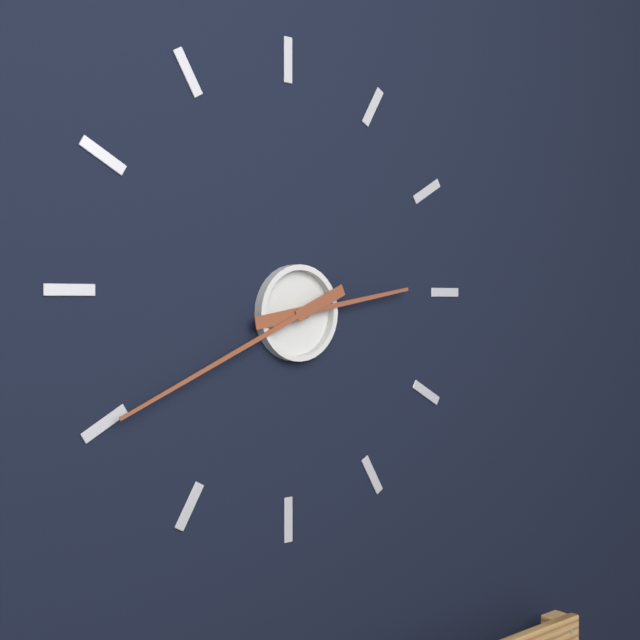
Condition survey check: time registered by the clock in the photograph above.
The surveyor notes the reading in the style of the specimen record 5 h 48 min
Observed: 2 h 41 min
